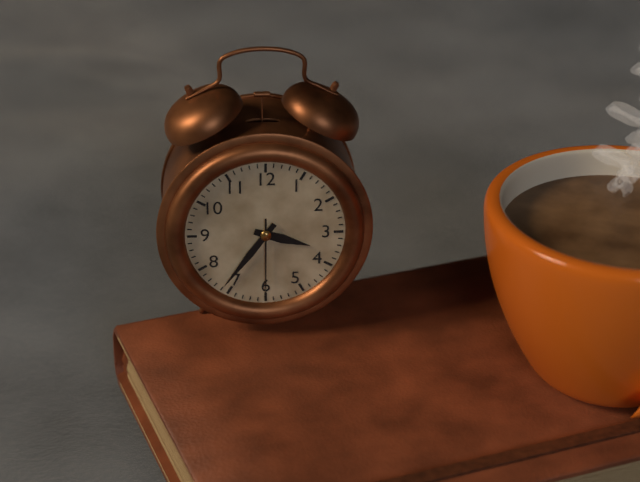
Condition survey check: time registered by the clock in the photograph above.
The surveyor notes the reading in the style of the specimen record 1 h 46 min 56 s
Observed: 3 h 36 min 30 s
